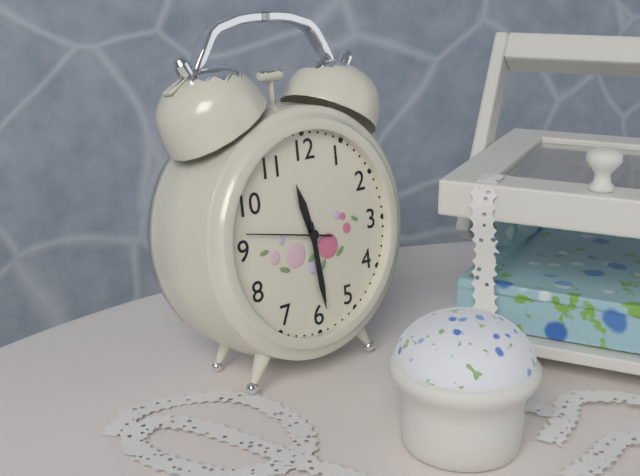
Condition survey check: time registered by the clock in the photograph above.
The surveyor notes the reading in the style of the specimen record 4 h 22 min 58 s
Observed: 11 h 29 min 47 s
